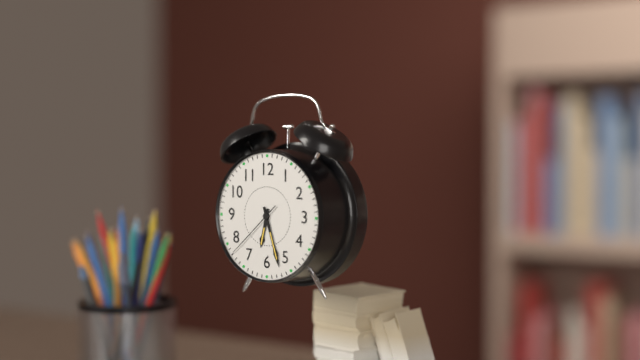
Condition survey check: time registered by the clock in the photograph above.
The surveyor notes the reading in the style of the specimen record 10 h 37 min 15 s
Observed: 6 h 27 min 38 s
